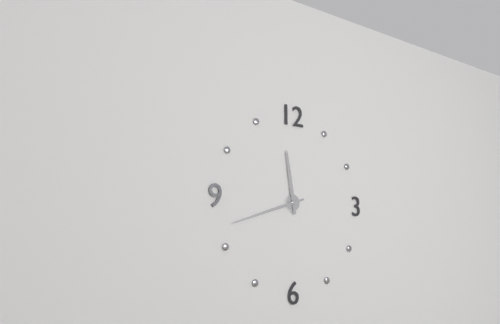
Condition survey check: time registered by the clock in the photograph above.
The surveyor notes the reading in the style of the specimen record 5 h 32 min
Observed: 11 h 42 min
